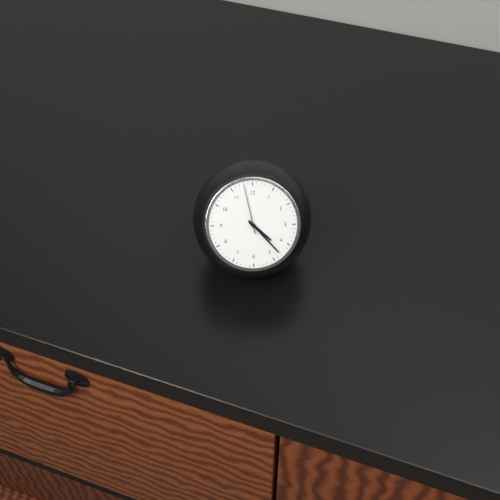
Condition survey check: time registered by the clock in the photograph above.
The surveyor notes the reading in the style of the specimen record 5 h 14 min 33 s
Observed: 4 h 23 min 58 s
